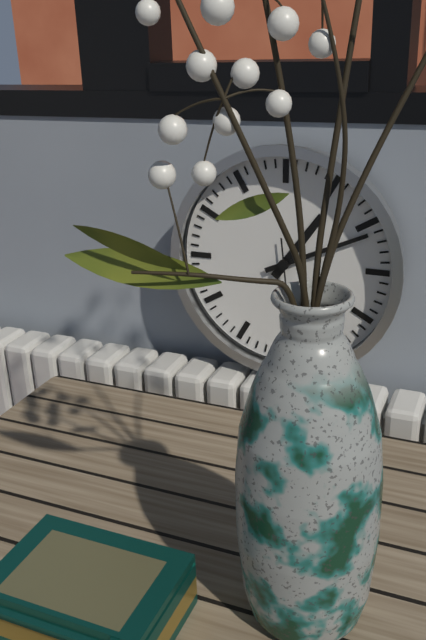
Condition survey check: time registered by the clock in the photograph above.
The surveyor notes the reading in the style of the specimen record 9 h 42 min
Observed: 1 h 11 min
